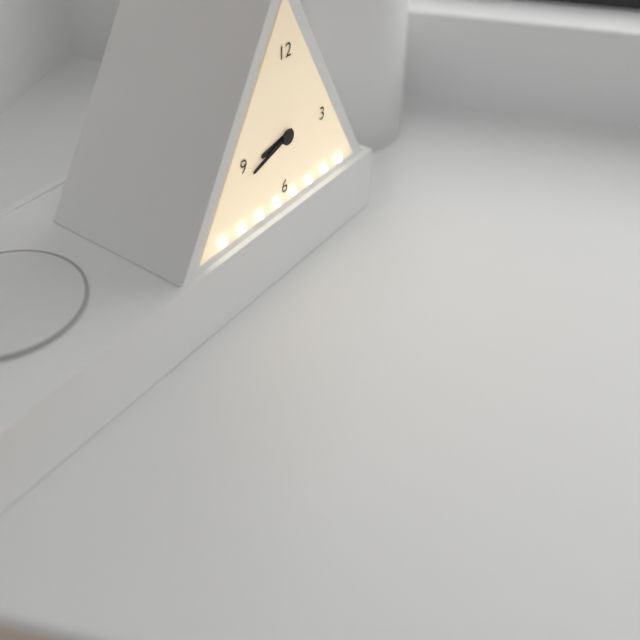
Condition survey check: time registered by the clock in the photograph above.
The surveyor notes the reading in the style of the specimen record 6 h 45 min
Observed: 8 h 42 min
